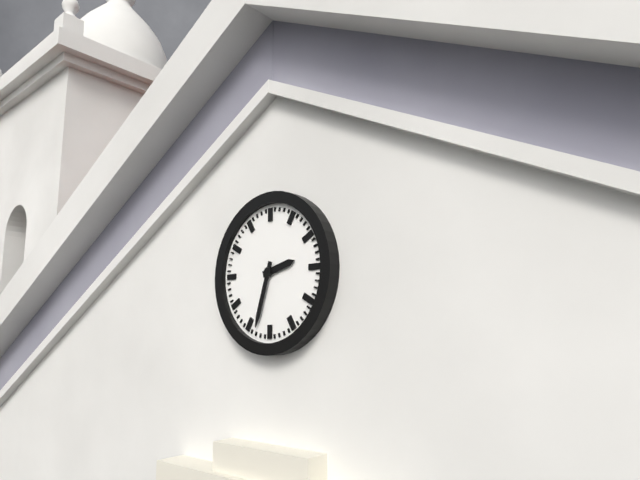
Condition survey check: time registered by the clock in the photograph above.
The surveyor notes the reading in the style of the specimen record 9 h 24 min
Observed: 2 h 33 min
